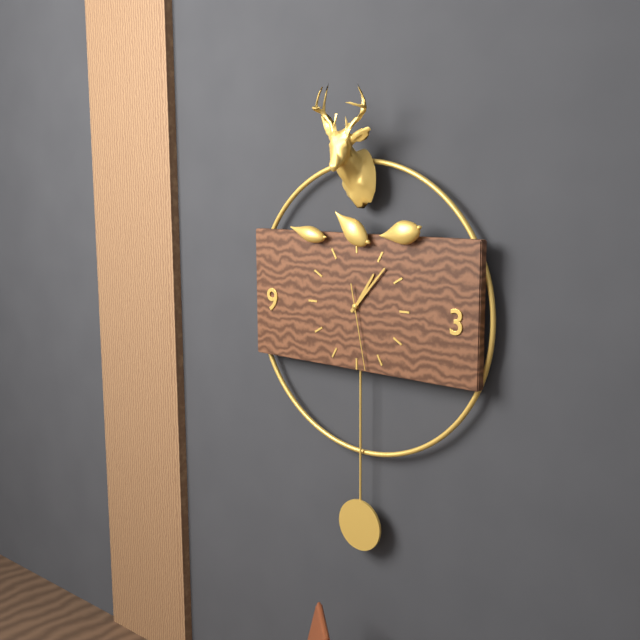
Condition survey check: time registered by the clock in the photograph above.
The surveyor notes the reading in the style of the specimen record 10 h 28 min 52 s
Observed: 1 h 07 min 28 s
